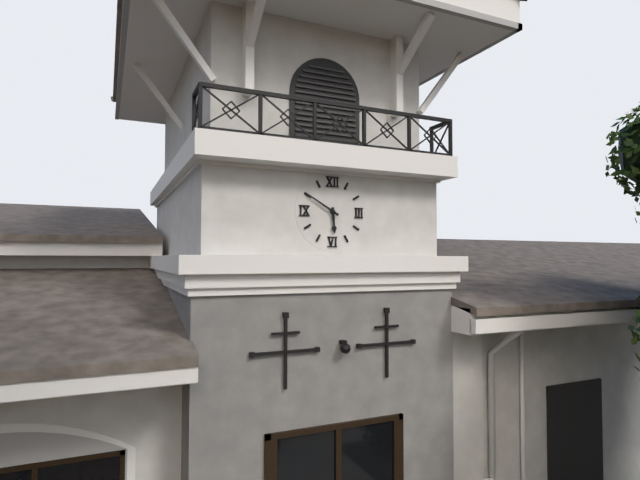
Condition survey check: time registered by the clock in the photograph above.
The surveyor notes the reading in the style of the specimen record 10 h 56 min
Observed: 5 h 50 min
